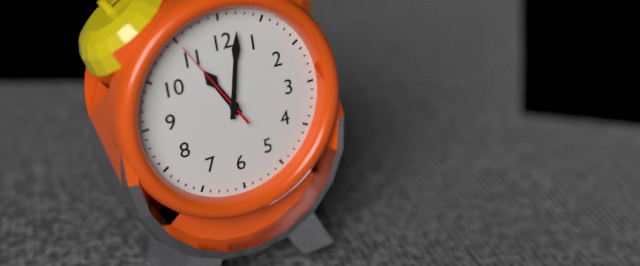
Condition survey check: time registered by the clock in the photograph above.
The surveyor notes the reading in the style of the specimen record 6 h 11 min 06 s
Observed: 11 h 02 min 55 s
